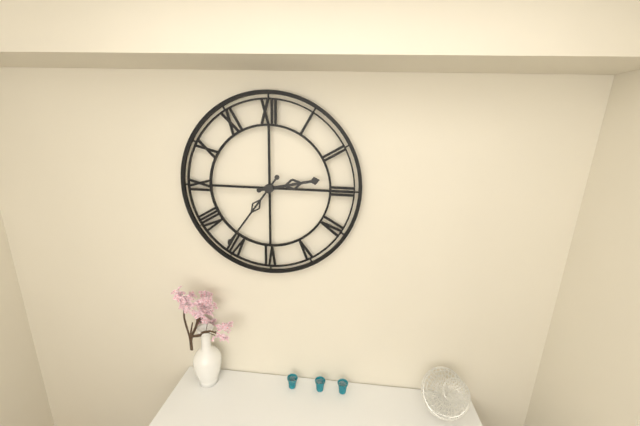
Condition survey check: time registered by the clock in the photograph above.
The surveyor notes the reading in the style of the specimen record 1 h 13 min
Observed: 2 h 36 min
